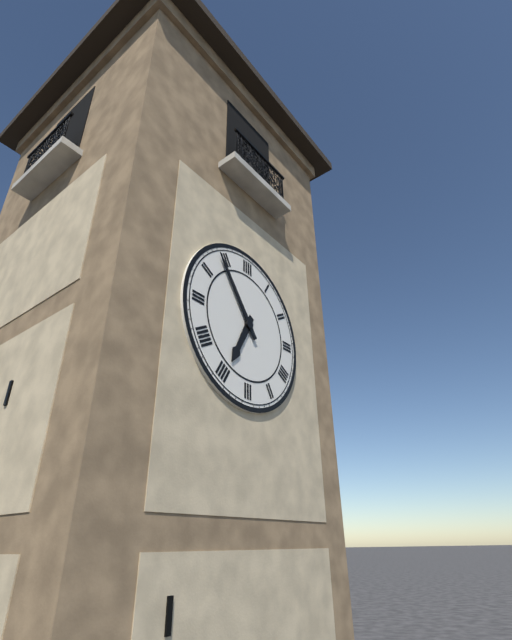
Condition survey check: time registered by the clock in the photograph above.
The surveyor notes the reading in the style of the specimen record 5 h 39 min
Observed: 6 h 54 min
